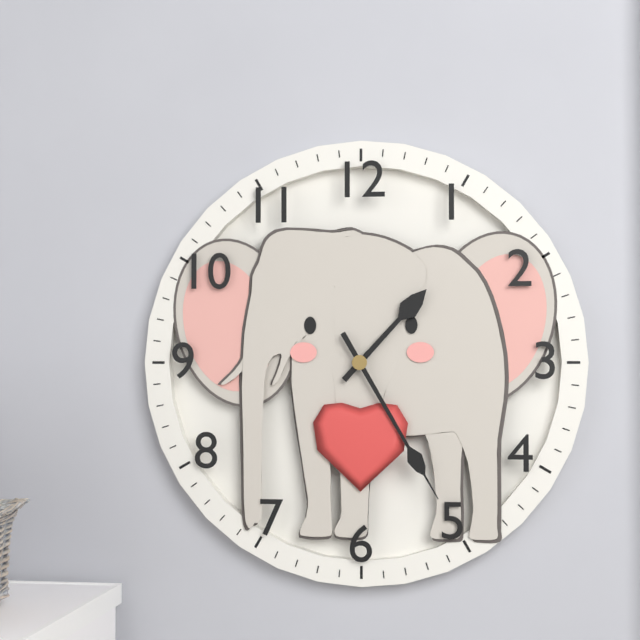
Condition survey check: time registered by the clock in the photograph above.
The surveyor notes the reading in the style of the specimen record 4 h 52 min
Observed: 1 h 25 min
